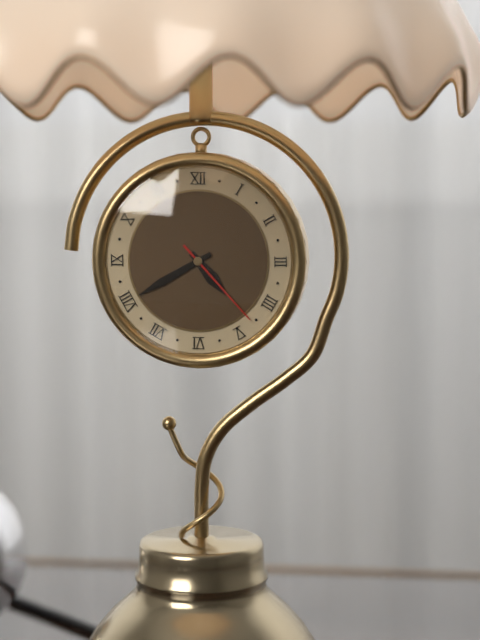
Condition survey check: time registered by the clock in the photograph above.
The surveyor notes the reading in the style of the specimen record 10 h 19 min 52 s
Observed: 4 h 40 min 23 s
